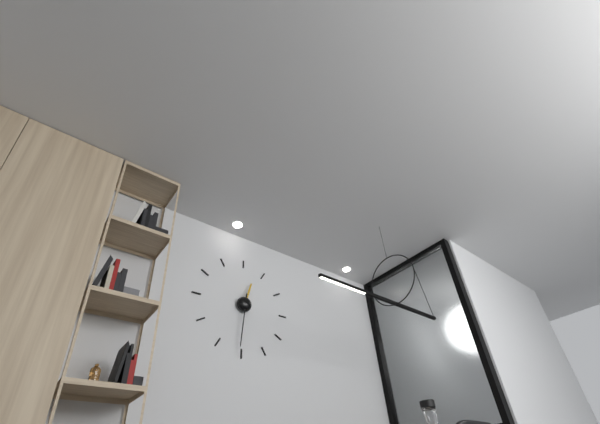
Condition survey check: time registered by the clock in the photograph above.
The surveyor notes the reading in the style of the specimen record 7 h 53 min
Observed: 12 h 31 min
